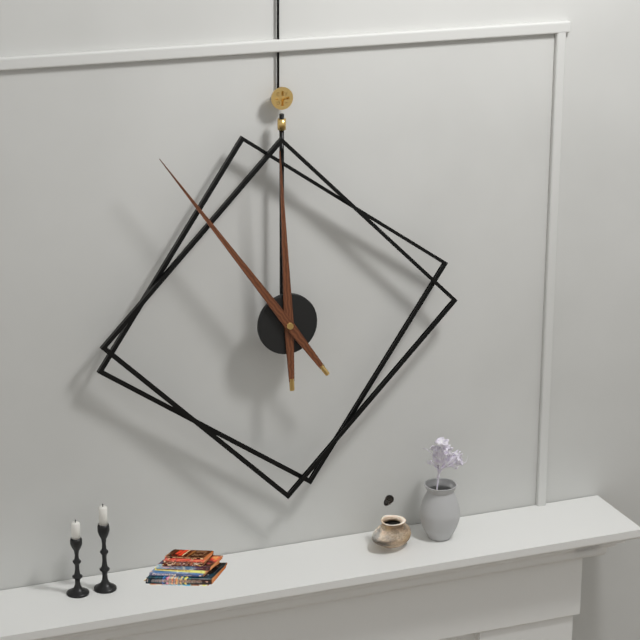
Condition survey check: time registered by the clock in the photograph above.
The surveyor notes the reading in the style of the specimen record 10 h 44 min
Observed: 11 h 54 min
